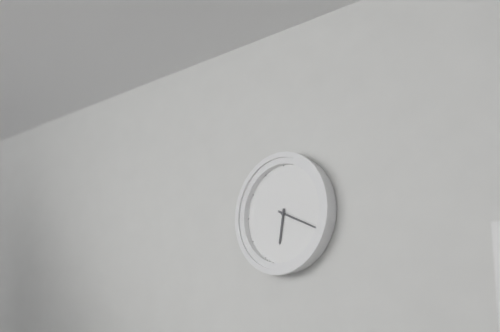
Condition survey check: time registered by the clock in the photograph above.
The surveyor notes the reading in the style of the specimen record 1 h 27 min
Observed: 6 h 19 min
